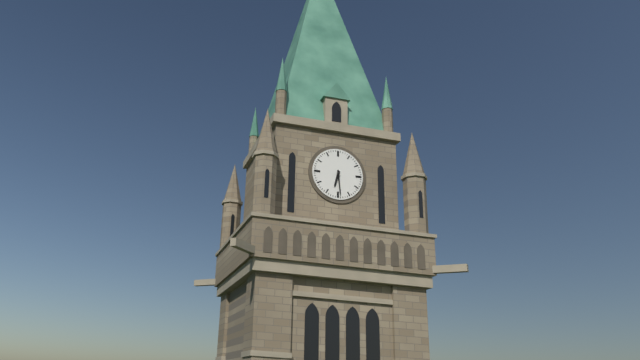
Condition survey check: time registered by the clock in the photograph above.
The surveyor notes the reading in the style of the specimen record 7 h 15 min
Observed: 6 h 29 min
